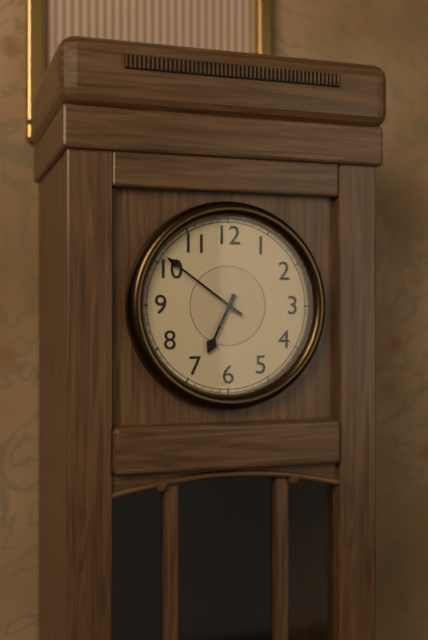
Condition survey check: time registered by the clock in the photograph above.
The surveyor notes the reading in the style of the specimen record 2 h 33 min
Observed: 6 h 51 min
